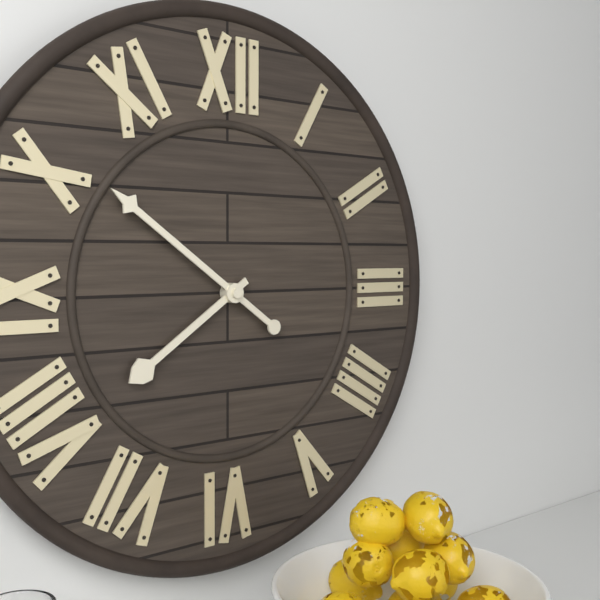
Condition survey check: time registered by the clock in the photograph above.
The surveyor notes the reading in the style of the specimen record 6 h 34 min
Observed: 7 h 51 min
